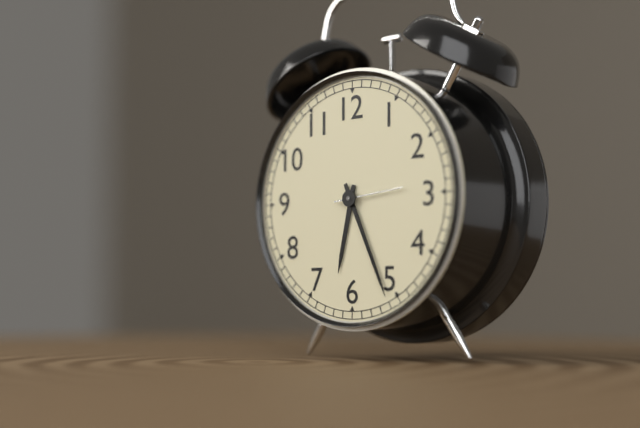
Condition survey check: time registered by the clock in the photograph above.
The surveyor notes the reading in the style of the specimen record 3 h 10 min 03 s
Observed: 6 h 26 min 14 s
